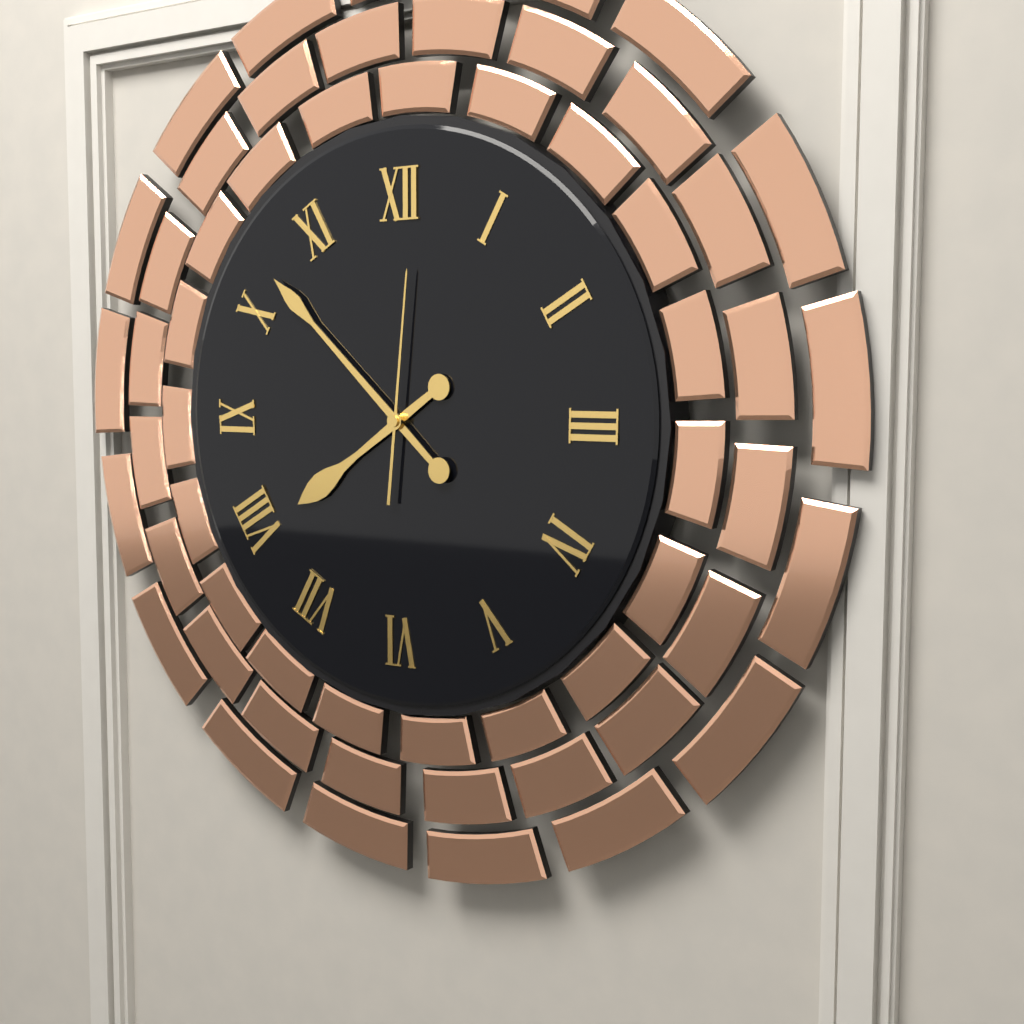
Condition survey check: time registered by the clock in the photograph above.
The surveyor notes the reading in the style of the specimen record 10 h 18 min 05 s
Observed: 7 h 52 min 01 s
